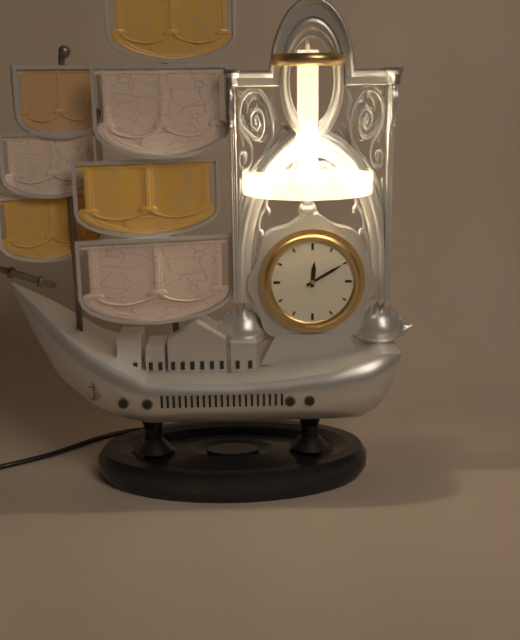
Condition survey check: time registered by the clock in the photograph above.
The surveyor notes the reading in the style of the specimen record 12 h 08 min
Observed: 12 h 10 min
